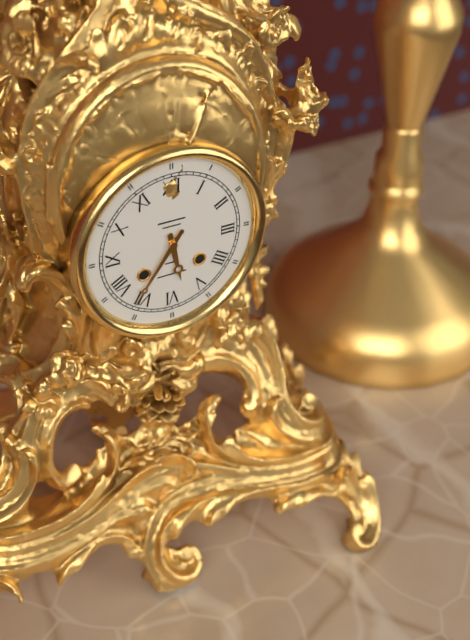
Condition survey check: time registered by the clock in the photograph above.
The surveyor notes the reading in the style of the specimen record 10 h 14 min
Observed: 5 h 36 min
